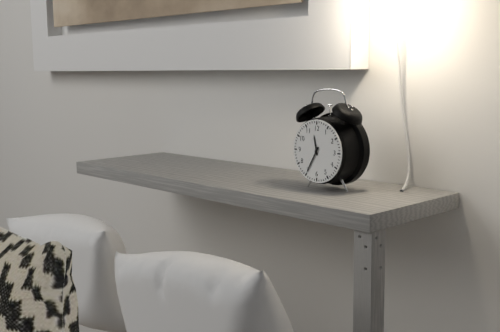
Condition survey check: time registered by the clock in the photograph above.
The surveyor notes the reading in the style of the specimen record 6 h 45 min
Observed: 11 h 35 min
